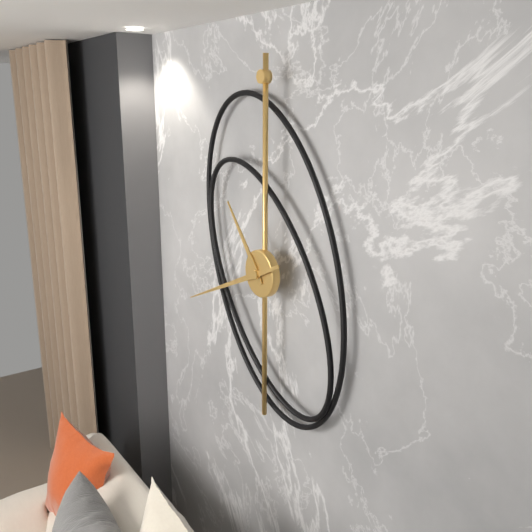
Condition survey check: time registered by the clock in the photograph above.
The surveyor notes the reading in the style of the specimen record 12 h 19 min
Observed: 10 h 41 min
